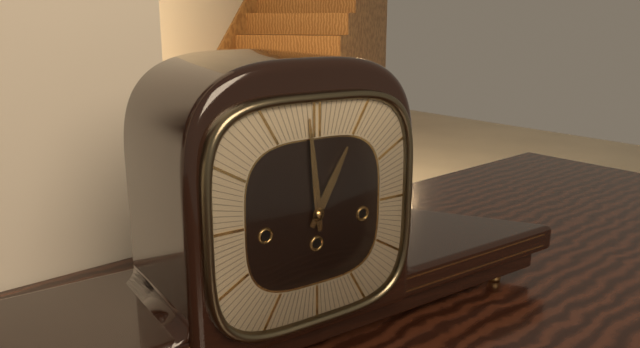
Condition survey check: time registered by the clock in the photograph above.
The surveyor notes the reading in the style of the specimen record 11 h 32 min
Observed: 12 h 59 min
